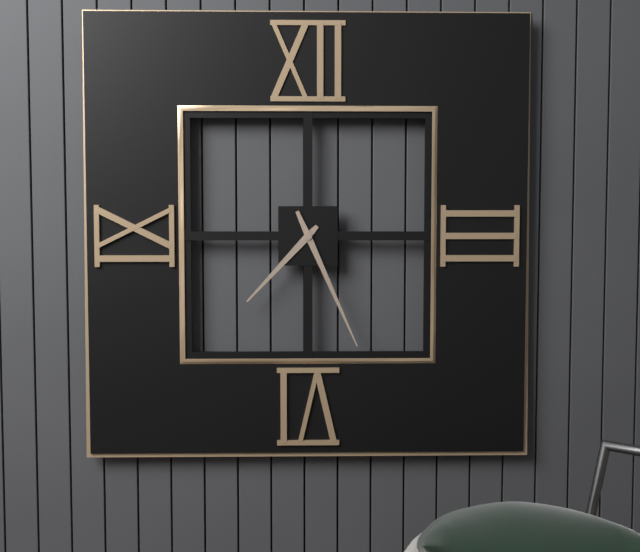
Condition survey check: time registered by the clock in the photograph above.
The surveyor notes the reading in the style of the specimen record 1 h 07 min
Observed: 7 h 26 min
